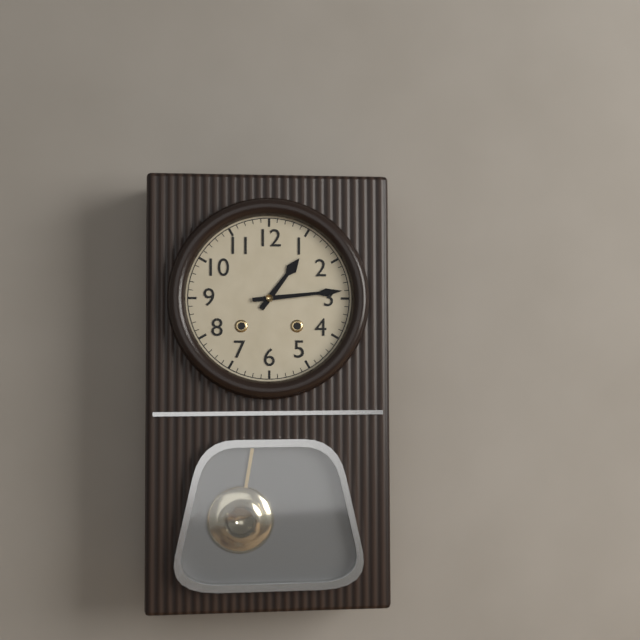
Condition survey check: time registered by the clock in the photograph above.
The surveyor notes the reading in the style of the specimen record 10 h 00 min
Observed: 1 h 14 min
